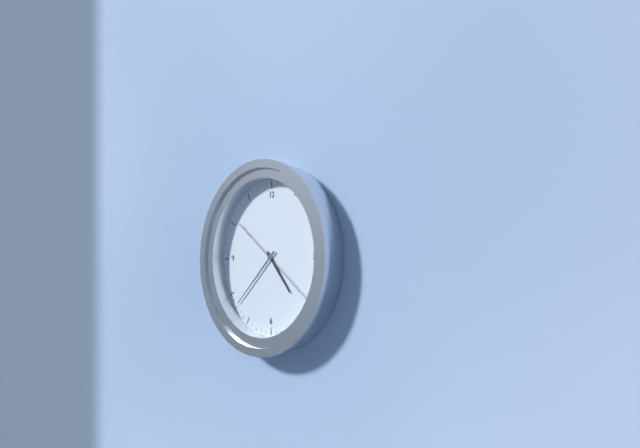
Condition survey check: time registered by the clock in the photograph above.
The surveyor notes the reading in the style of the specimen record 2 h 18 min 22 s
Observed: 4 h 38 min 21 s
